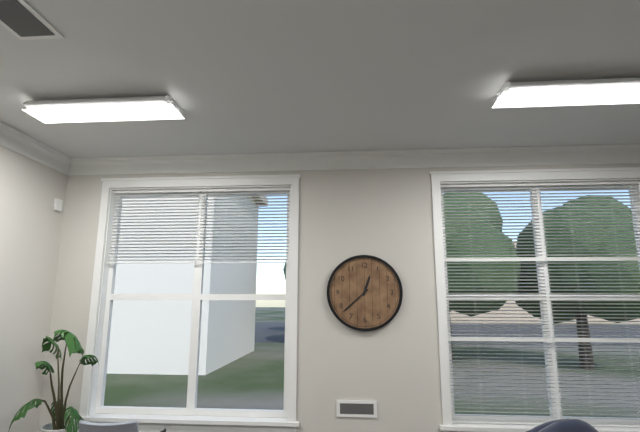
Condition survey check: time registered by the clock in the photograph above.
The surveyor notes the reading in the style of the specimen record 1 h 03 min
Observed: 12 h 38 min
